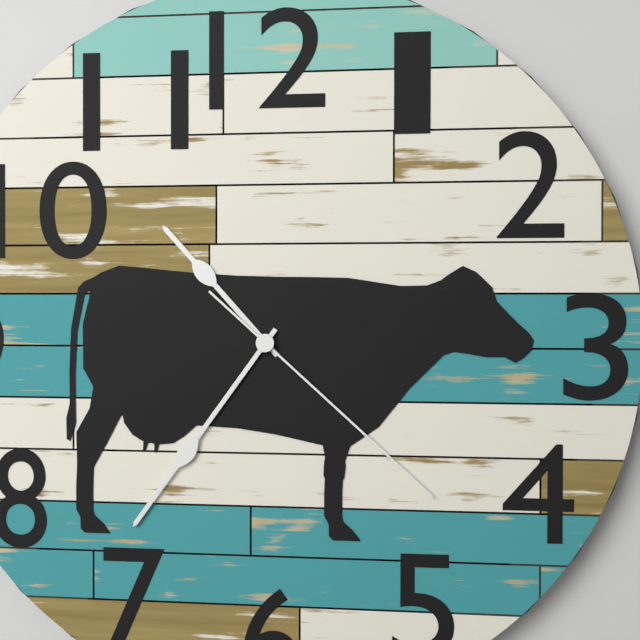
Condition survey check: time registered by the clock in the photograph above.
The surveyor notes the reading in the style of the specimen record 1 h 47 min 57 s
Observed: 10 h 36 min 22 s
